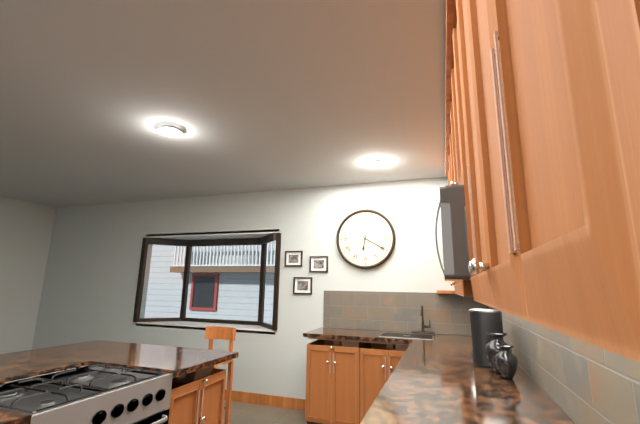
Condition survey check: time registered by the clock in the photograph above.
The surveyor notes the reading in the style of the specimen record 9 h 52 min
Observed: 6 h 20 min
